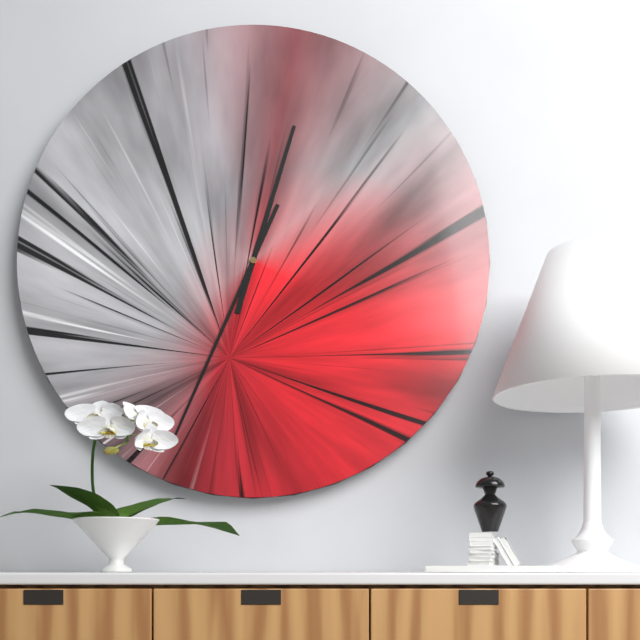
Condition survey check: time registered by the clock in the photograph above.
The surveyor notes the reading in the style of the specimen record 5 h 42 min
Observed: 12 h 34 min
